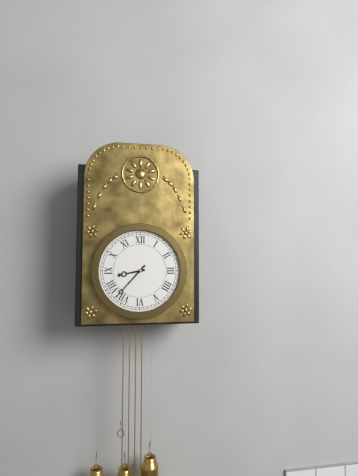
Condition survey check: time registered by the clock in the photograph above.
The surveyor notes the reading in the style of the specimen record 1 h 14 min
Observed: 8 h 37 min
